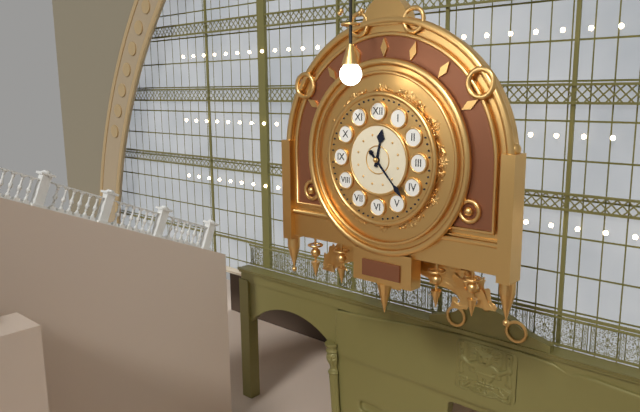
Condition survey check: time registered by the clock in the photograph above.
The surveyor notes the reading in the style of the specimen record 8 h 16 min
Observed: 12 h 23 min
